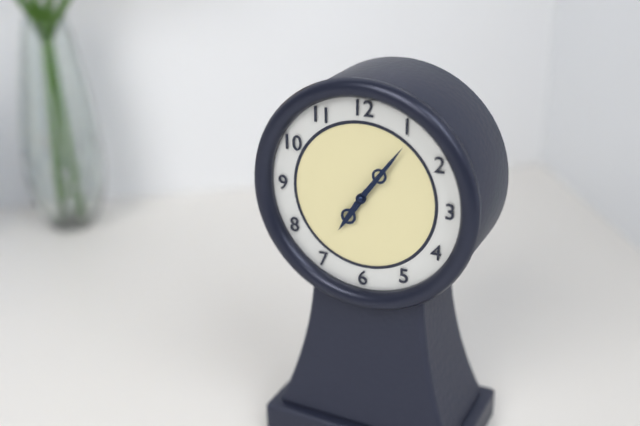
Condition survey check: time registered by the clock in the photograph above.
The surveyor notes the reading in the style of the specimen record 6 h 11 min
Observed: 7 h 06 min
